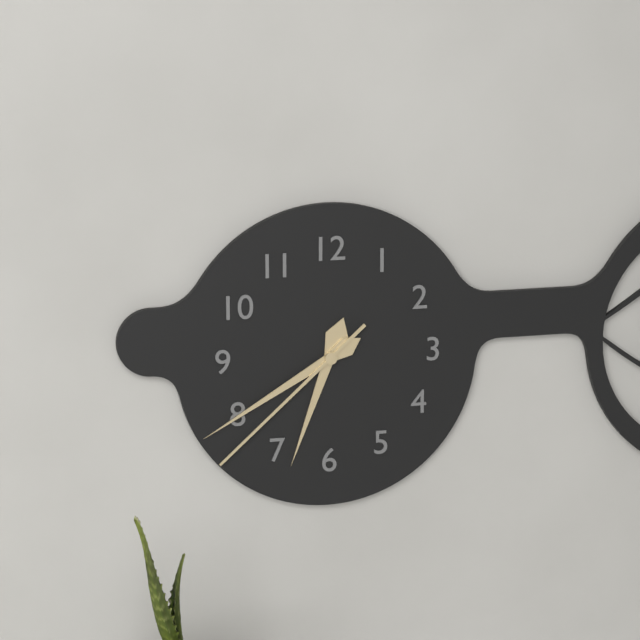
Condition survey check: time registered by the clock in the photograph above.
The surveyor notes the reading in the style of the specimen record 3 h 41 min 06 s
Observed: 6 h 40 min 38 s
